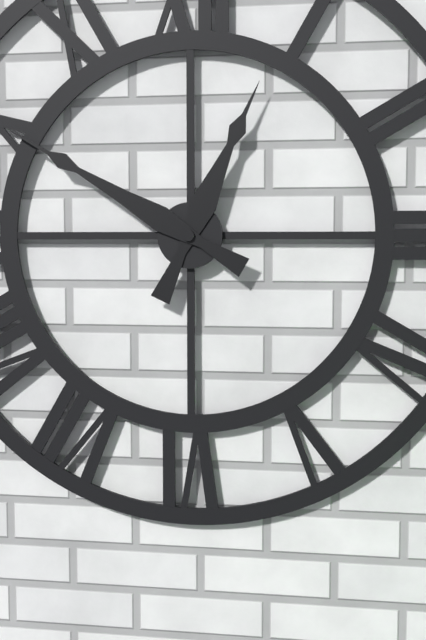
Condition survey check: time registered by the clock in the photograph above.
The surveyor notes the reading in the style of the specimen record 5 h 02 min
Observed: 12 h 50 min
